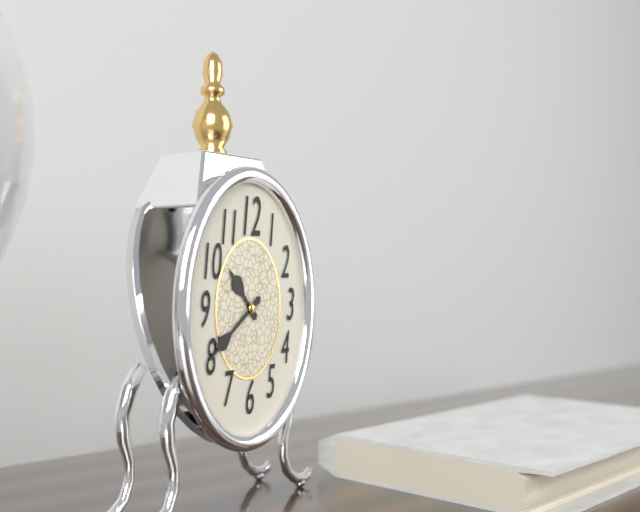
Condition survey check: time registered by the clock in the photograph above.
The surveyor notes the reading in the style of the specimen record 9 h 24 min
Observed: 10 h 39 min
